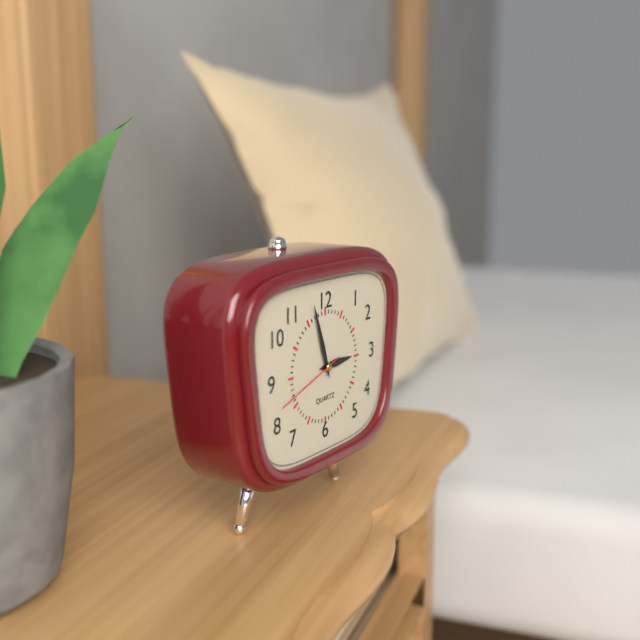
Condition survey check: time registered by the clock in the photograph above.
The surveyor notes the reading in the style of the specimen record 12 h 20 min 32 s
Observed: 2 h 57 min 42 s
